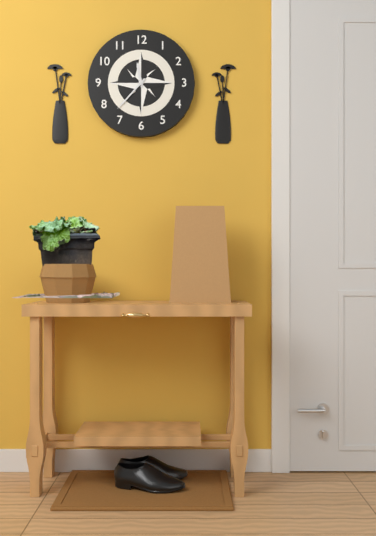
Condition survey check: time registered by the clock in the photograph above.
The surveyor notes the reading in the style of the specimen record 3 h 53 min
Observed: 11 h 37 min
